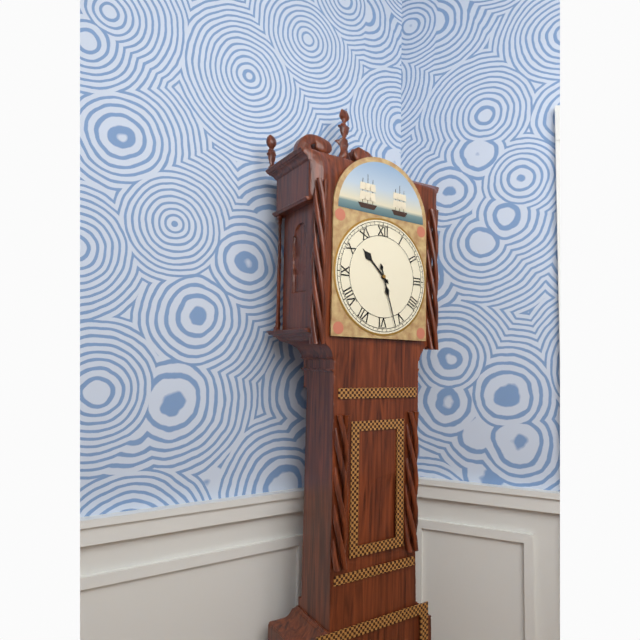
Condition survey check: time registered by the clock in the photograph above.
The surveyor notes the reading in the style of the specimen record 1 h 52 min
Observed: 10 h 27 min
